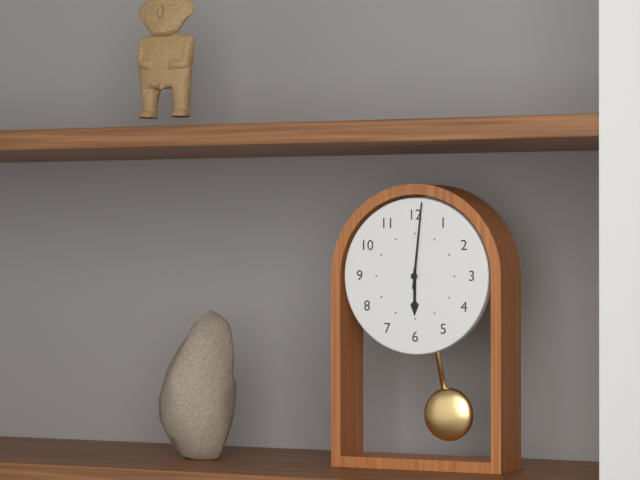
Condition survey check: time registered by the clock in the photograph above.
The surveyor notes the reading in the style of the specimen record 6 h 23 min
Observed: 6 h 01 min
